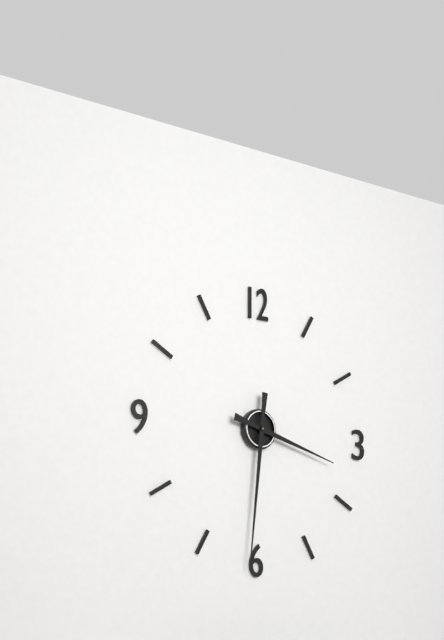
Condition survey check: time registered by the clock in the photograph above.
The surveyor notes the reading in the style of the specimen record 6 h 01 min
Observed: 3 h 31 min
